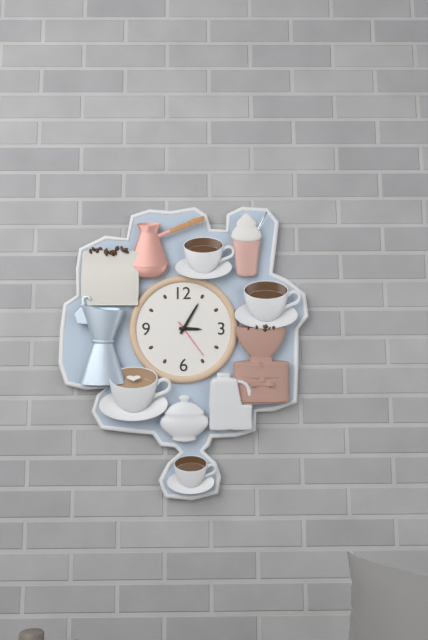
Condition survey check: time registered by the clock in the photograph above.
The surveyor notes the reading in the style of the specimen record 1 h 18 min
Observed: 3 h 05 min
